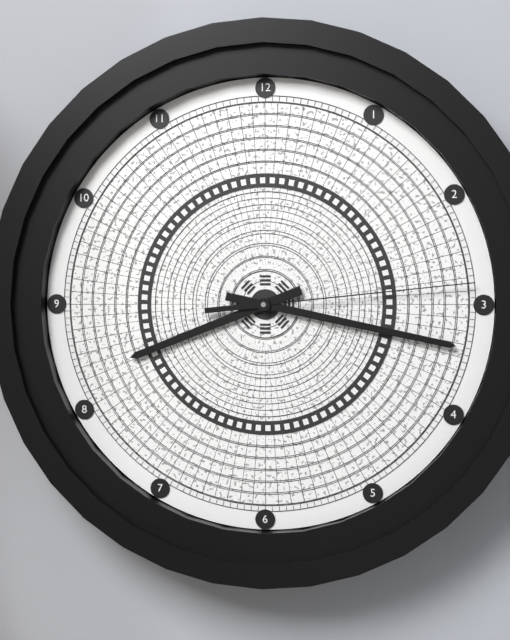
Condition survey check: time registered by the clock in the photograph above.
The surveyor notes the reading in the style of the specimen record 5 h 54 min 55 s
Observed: 8 h 17 min 14 s
